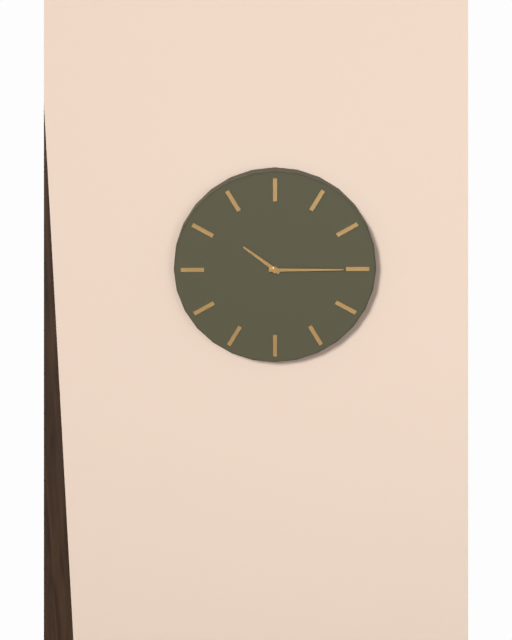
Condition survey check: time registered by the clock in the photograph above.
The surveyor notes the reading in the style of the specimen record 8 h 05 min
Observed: 10 h 15 min
